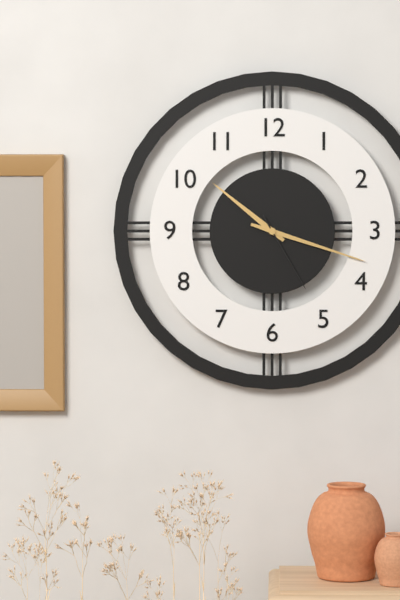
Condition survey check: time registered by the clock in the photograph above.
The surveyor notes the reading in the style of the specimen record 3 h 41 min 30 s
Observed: 10 h 18 min 25 s
